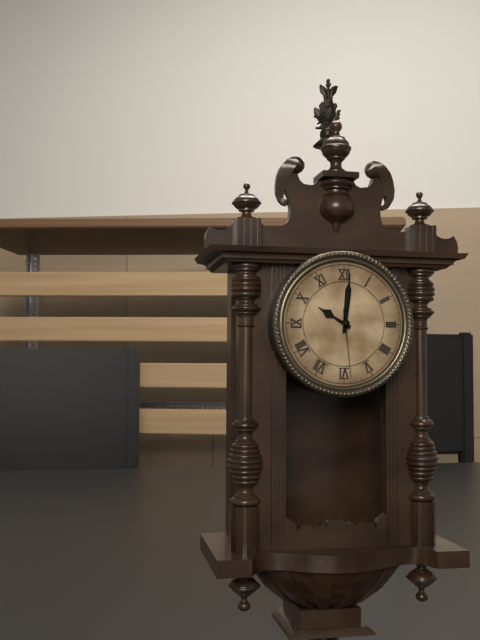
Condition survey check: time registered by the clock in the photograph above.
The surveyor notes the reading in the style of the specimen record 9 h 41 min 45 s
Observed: 10 h 01 min 29 s
